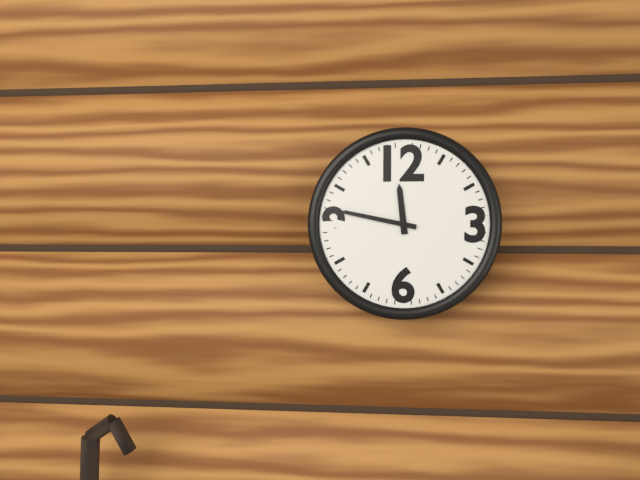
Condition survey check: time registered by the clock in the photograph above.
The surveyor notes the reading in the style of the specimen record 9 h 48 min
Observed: 11 h 47 min
